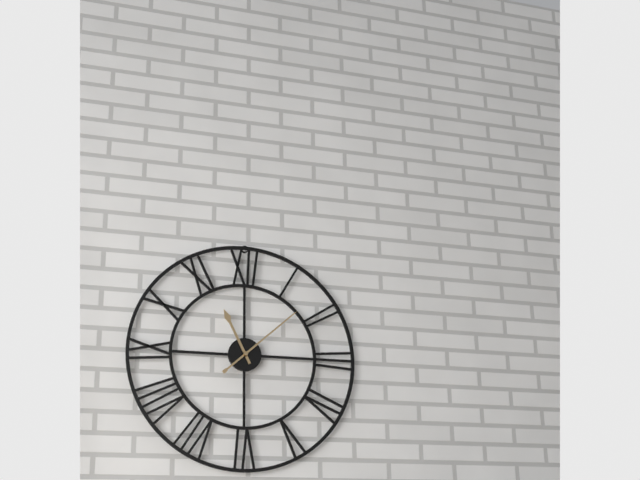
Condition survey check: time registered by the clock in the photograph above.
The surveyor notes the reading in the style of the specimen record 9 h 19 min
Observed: 11 h 08 min
